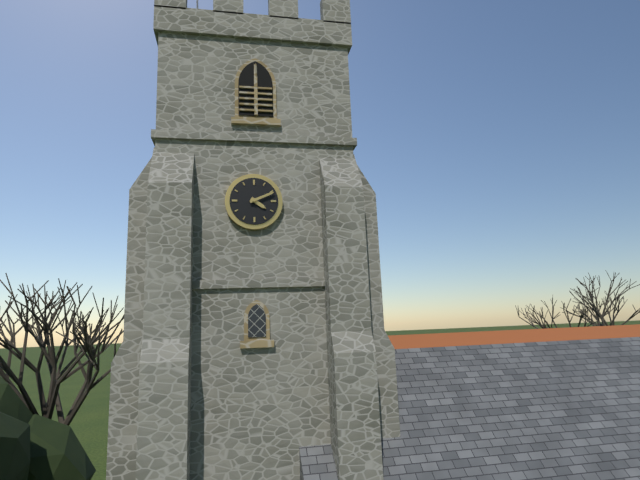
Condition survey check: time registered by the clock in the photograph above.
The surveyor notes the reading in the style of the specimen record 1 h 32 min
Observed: 4 h 11 min
